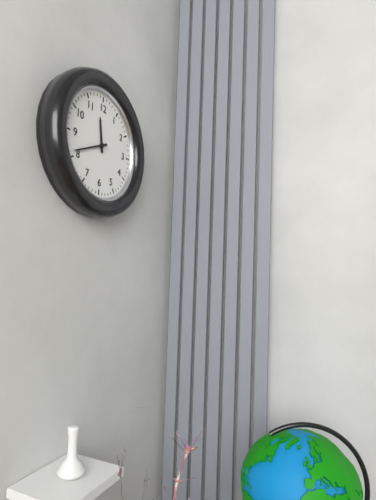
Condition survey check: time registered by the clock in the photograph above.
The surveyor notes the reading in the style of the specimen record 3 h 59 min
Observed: 11 h 41 min
